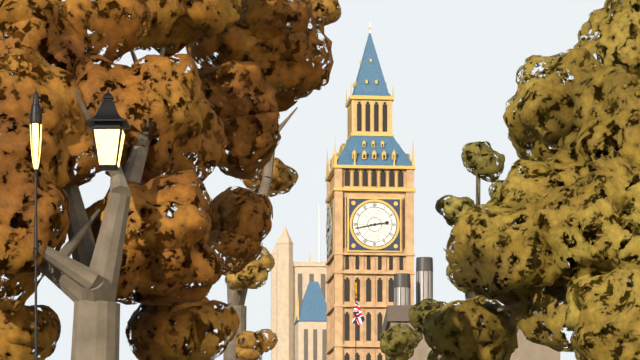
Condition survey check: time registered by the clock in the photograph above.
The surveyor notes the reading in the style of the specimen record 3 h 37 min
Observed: 2 h 43 min
